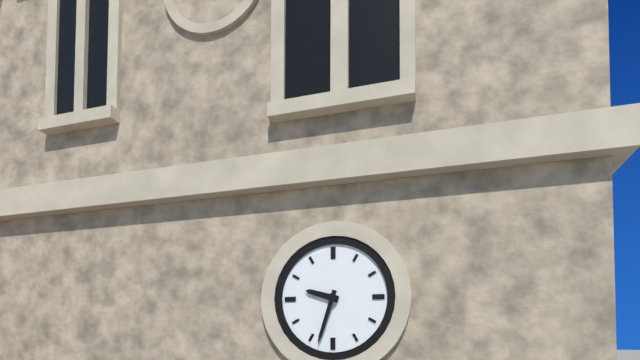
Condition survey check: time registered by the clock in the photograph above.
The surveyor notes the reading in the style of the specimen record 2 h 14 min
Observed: 9 h 33 min
